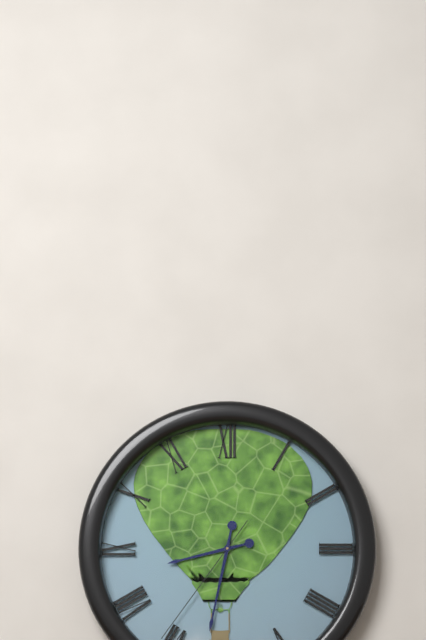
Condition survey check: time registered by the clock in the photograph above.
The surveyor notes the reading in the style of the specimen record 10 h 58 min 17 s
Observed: 8 h 32 min 36 s
